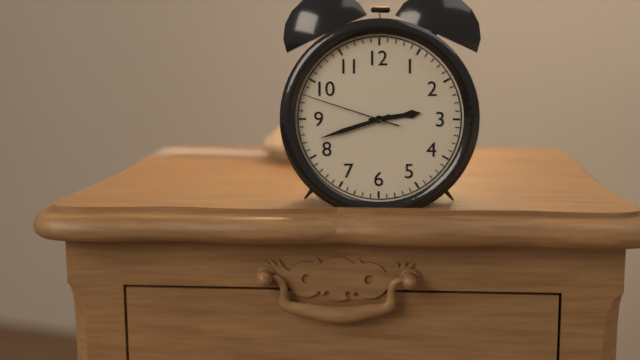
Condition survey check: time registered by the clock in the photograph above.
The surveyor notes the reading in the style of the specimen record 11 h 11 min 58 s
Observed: 2 h 42 min 48 s
